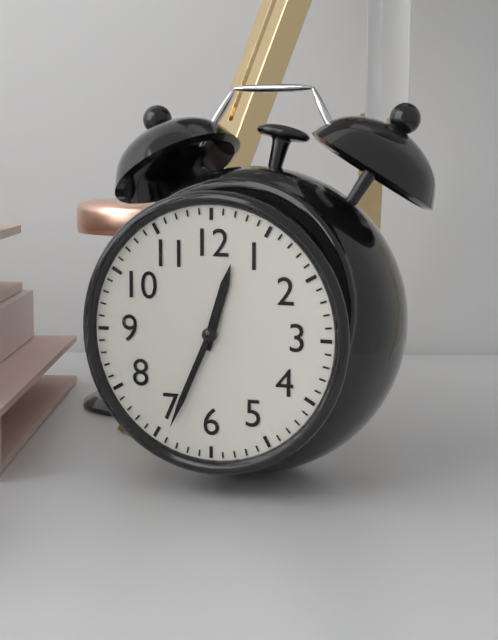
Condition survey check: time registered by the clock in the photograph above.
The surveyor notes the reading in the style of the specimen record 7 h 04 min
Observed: 12 h 34 min
